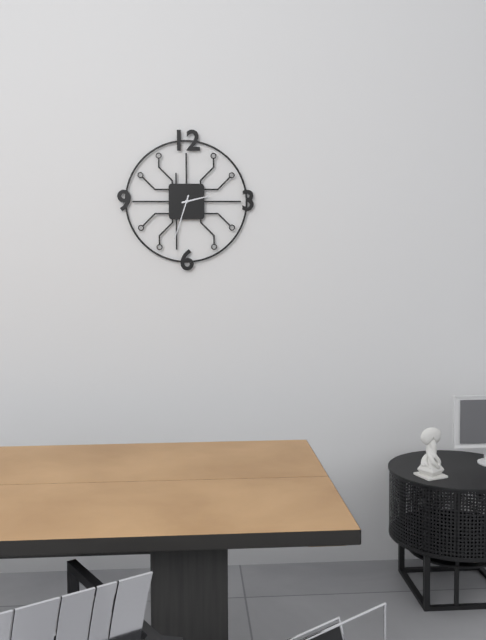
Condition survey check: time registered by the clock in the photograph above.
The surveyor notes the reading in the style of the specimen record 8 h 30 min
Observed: 2 h 33 min
